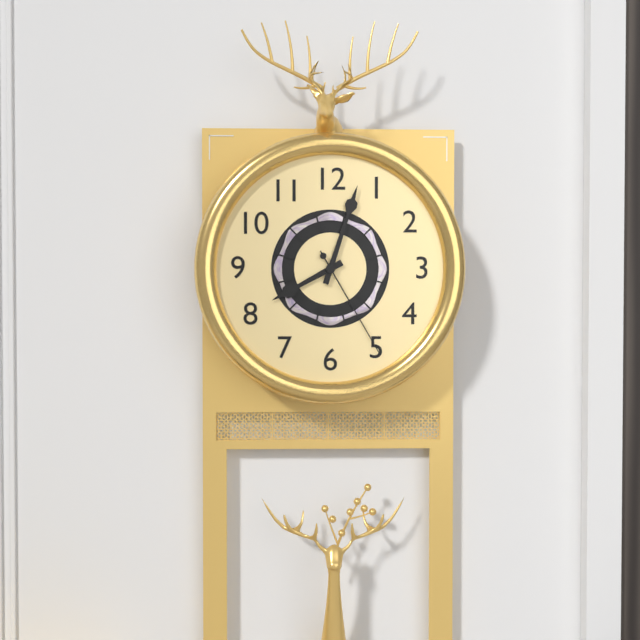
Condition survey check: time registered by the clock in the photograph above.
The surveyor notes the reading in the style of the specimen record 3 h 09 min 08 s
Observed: 8 h 03 min 25 s
